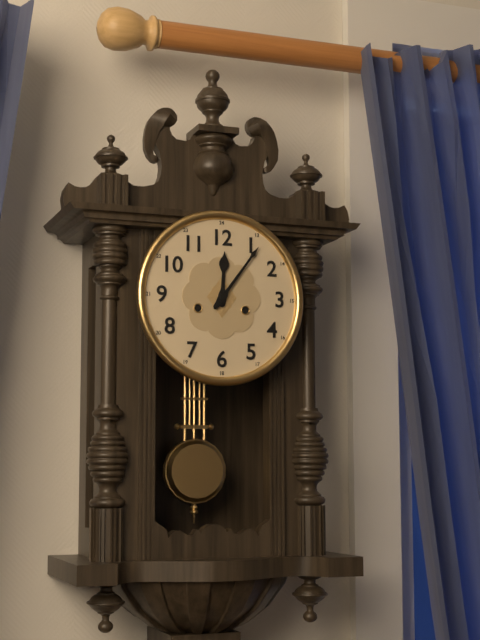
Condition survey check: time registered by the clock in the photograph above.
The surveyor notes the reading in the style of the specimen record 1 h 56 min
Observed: 12 h 06 min
